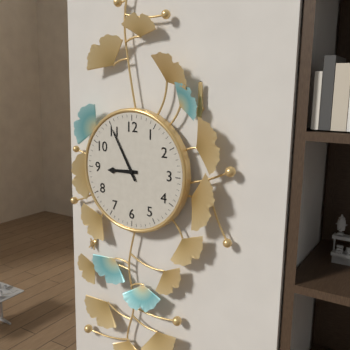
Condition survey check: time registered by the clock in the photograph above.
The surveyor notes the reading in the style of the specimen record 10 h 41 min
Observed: 8 h 55 min
